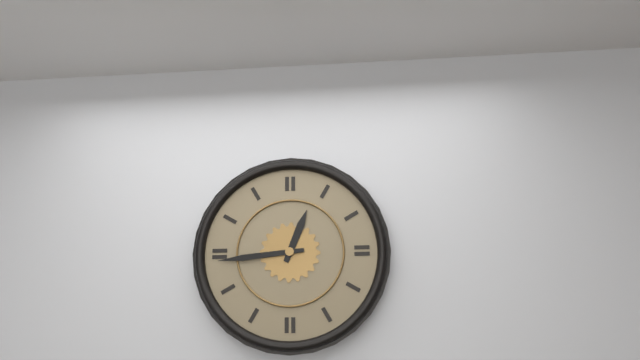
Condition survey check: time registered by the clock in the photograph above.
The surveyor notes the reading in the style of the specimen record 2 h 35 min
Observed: 12 h 44 min
